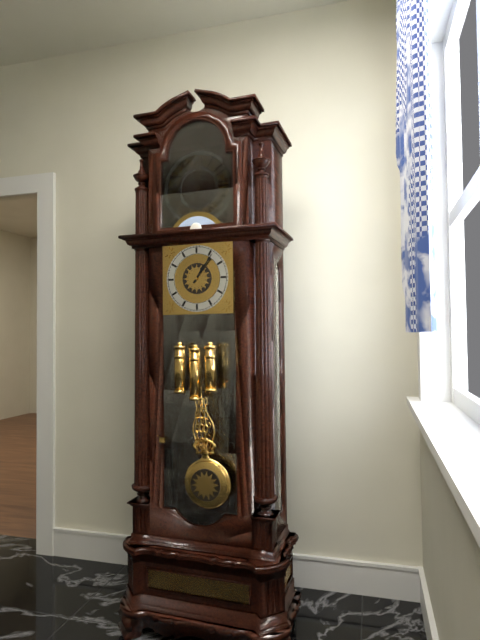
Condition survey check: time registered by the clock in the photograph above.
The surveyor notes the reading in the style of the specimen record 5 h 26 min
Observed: 1 h 06 min
